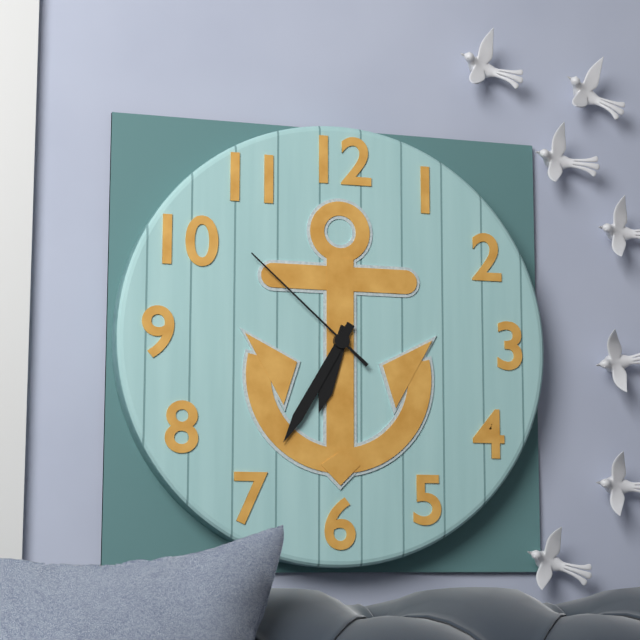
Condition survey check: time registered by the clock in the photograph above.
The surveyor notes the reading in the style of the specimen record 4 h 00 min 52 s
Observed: 6 h 35 min 52 s
